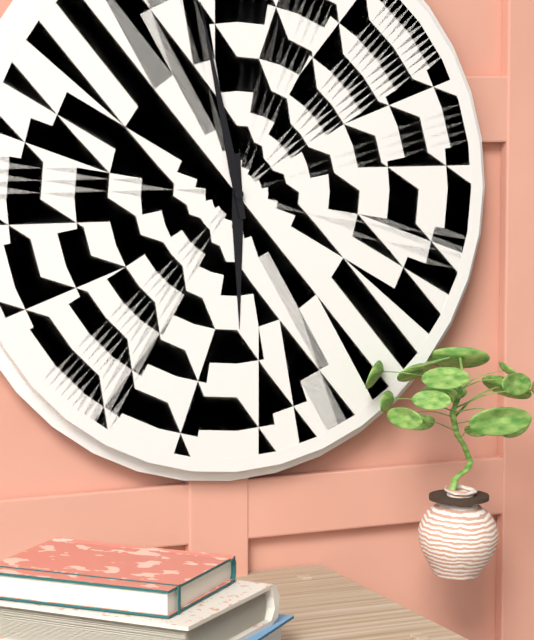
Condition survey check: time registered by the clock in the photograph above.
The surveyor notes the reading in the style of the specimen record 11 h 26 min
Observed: 5 h 58 min
